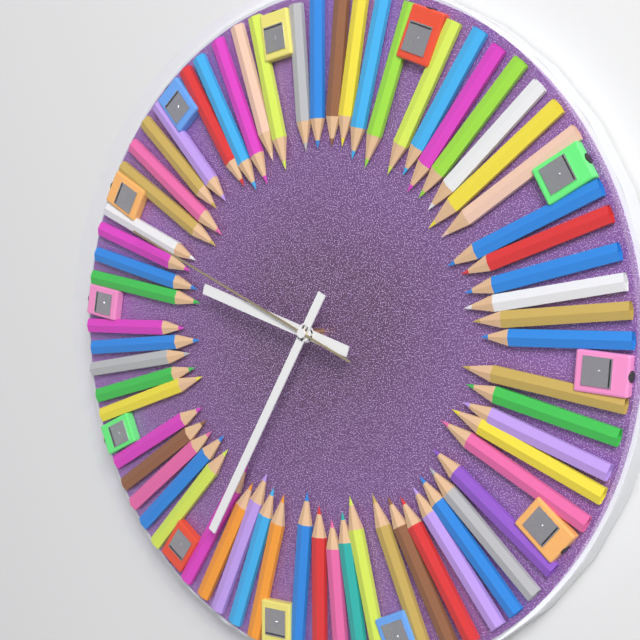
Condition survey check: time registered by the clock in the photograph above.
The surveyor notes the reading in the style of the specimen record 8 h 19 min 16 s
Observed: 9 h 35 min 49 s
